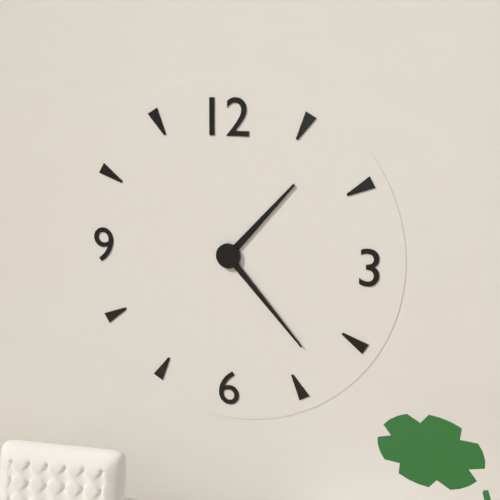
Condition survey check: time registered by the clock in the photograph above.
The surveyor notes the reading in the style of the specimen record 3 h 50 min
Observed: 1 h 23 min
